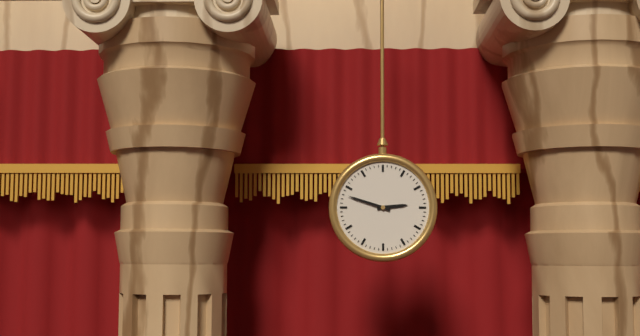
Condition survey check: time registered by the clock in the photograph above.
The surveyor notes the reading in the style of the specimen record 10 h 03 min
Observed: 2 h 48 min
